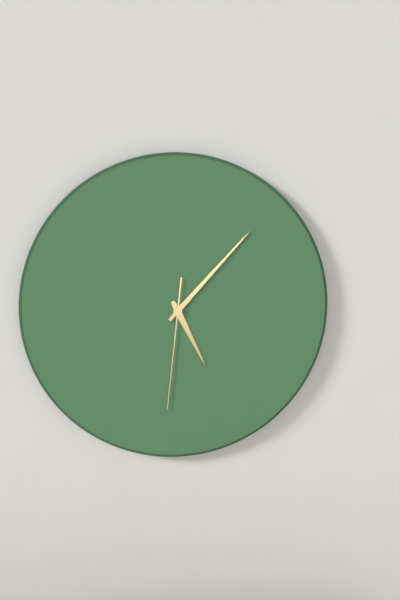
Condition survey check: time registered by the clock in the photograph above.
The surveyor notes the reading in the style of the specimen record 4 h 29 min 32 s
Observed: 5 h 07 min 31 s
